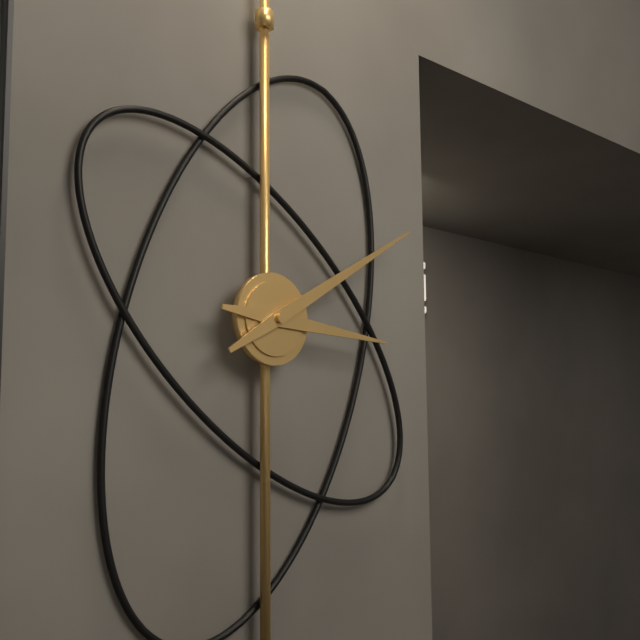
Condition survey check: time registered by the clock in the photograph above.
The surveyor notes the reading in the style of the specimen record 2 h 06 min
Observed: 3 h 10 min
